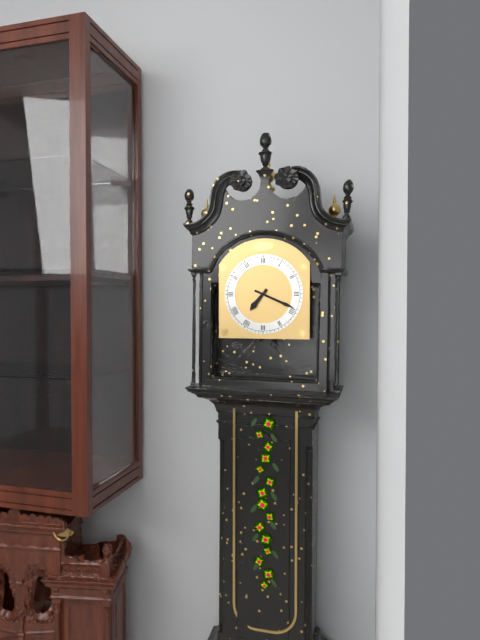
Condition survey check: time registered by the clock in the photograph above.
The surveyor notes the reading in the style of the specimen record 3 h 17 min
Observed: 7 h 19 min
